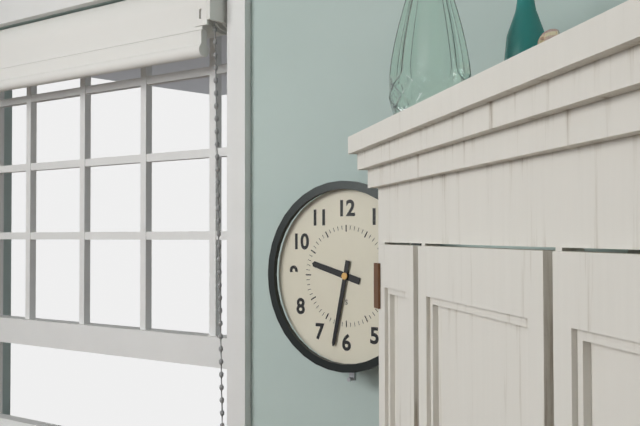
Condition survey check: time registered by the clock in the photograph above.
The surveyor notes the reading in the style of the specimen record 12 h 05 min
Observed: 9 h 32 min
